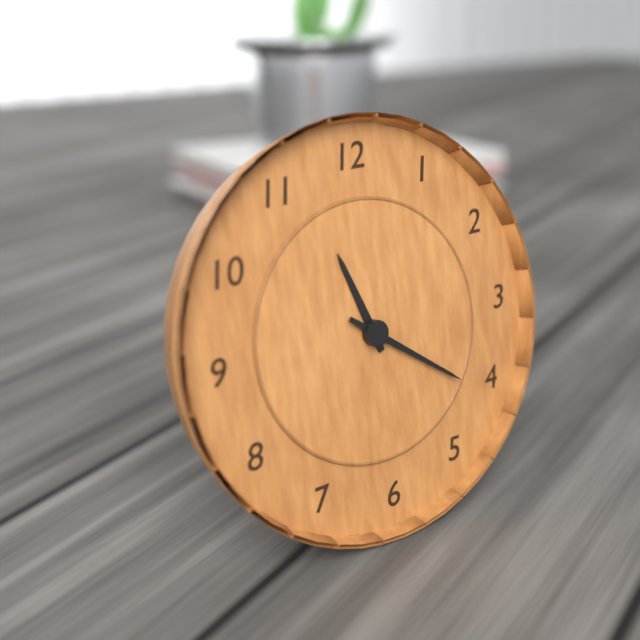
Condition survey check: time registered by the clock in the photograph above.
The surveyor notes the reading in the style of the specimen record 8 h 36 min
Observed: 11 h 21 min
